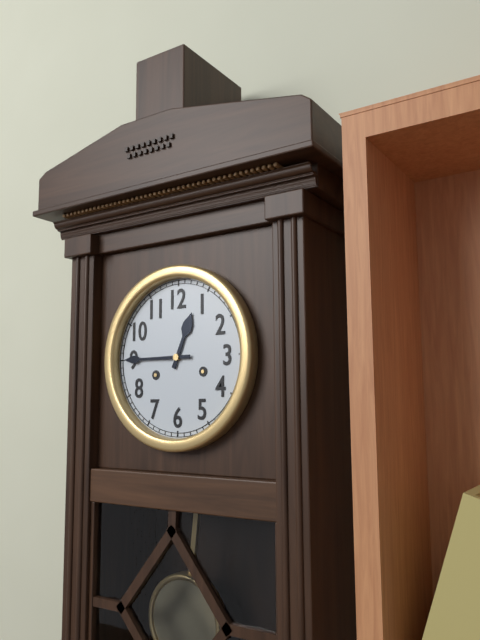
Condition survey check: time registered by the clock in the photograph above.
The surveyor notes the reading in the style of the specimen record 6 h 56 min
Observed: 12 h 45 min
